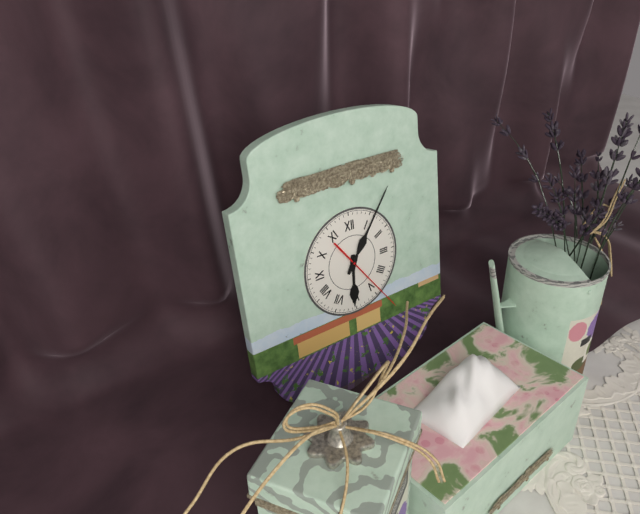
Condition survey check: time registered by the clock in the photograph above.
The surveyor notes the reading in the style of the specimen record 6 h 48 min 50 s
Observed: 6 h 06 min 24 s
